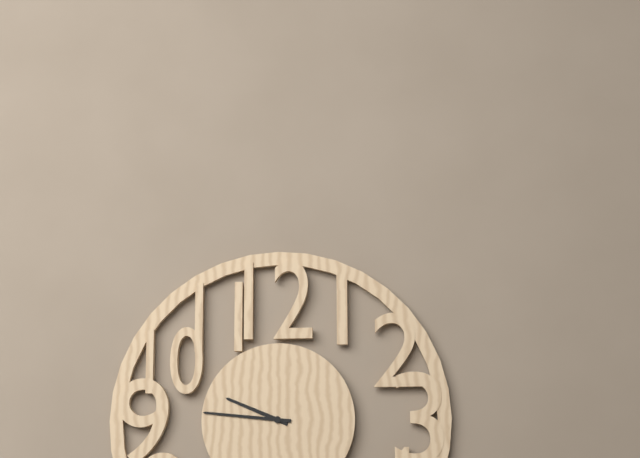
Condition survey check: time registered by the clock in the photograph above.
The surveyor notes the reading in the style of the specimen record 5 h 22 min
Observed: 9 h 46 min
